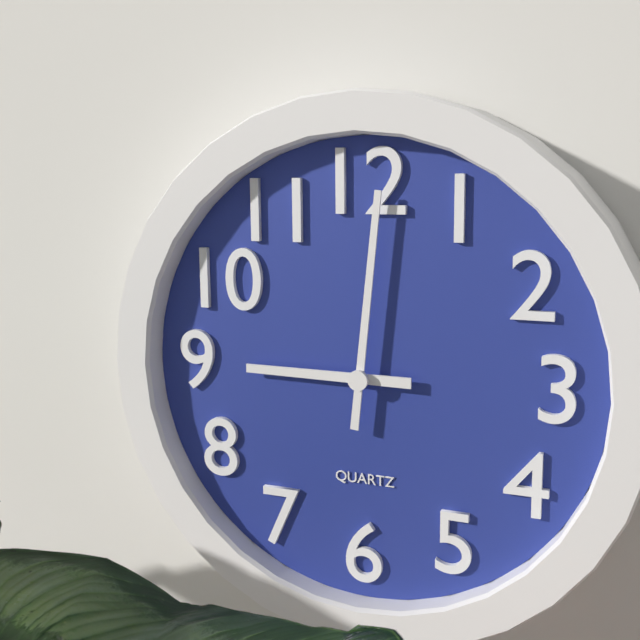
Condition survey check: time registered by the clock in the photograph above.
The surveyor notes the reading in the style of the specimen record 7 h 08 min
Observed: 9 h 01 min
